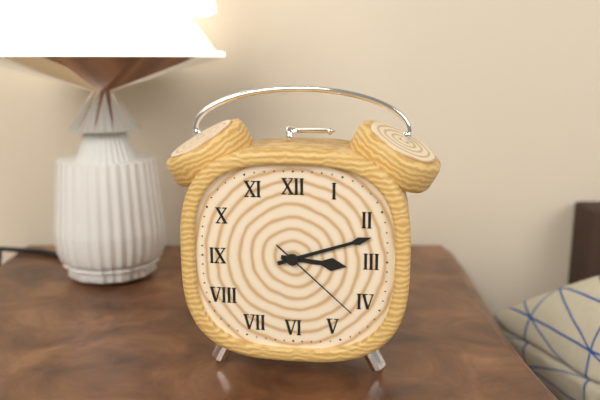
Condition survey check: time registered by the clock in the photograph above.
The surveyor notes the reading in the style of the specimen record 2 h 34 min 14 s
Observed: 3 h 12 min 22 s
